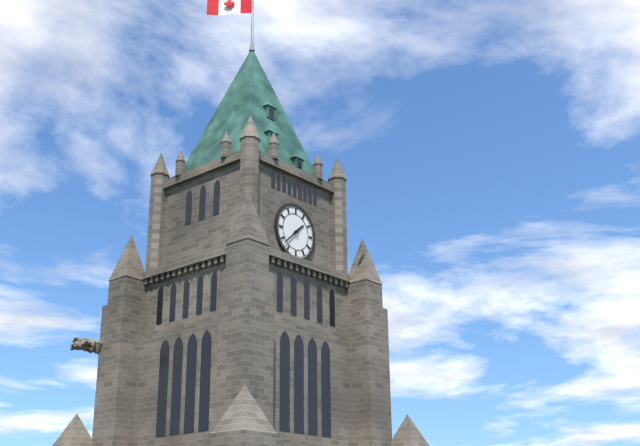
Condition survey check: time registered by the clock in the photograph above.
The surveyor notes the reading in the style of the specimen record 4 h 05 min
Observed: 1 h 38 min
